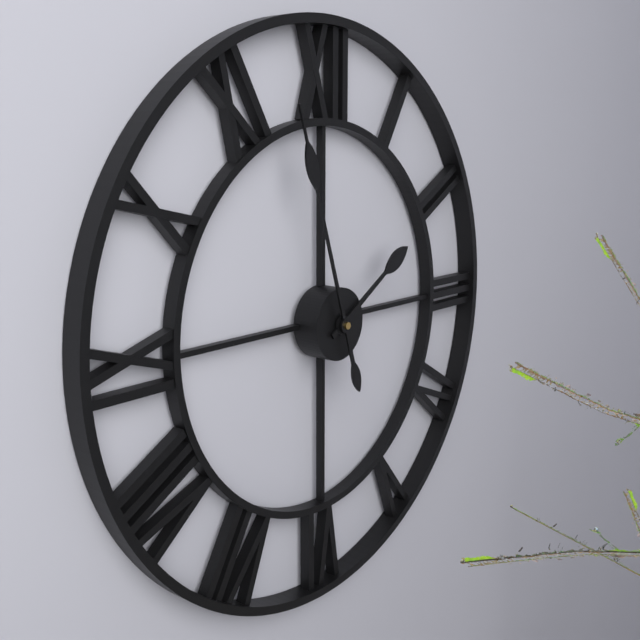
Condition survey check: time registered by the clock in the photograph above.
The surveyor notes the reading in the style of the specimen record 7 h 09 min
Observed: 1 h 57 min
